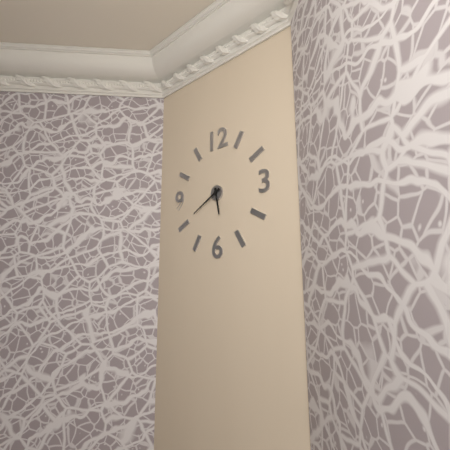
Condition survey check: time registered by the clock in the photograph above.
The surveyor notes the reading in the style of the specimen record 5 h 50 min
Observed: 5 h 40 min
